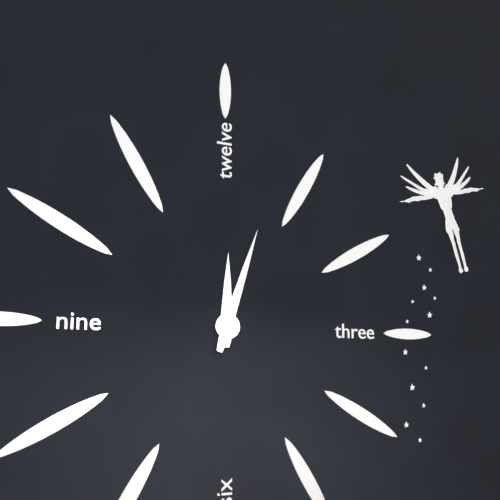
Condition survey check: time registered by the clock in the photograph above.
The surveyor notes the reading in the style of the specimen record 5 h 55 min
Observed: 12 h 03 min
